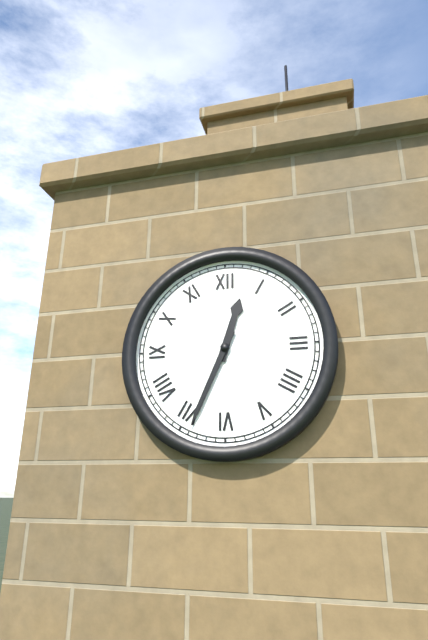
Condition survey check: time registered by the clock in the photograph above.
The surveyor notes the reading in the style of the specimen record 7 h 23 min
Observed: 12 h 34 min
